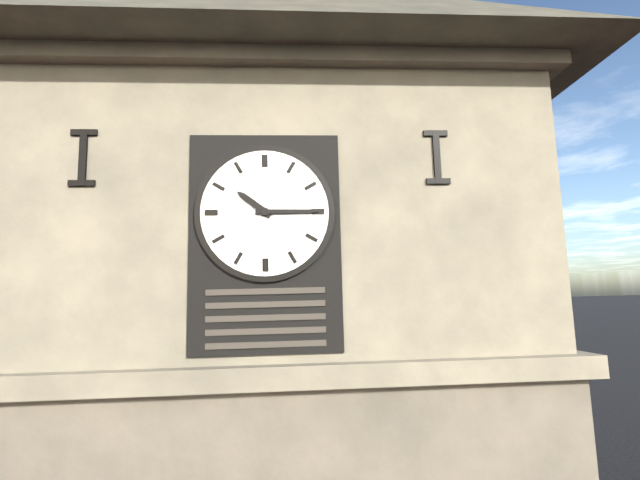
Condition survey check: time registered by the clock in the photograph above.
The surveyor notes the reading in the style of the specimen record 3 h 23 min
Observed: 10 h 15 min
